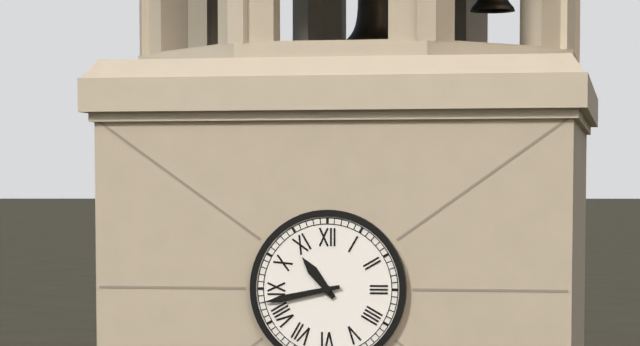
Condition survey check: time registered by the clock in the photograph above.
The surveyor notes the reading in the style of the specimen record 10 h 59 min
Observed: 10 h 43 min
